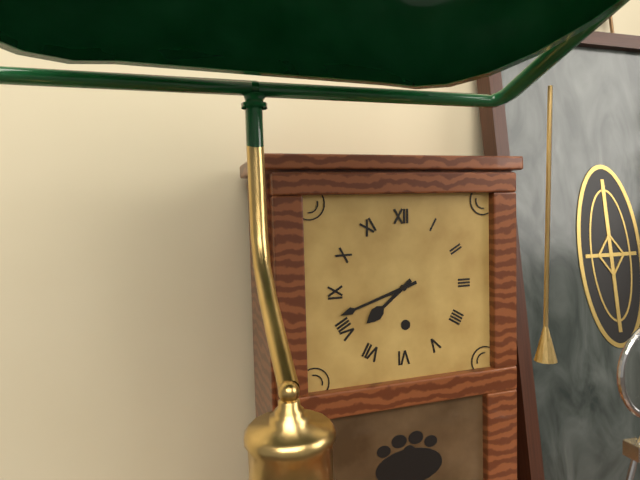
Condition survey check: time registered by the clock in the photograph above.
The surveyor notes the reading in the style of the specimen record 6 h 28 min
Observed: 7 h 42 min
